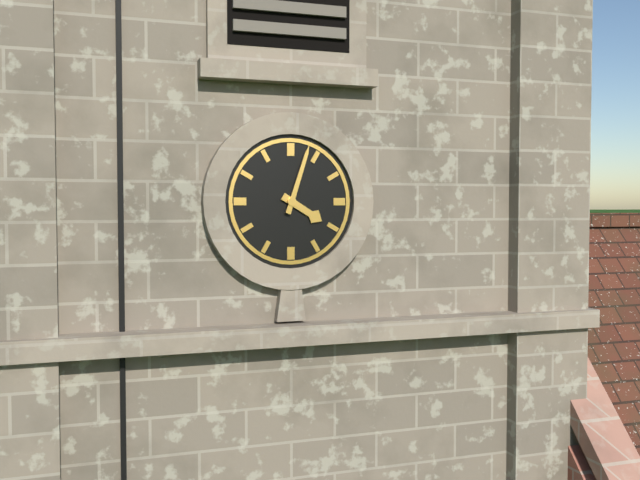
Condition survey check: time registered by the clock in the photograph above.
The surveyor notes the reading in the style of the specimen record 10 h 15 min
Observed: 4 h 03 min
